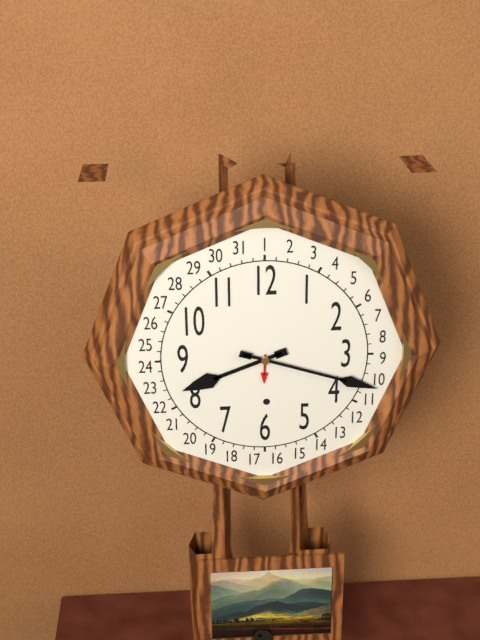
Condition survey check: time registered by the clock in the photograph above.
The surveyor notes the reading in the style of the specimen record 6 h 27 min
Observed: 8 h 18 min
